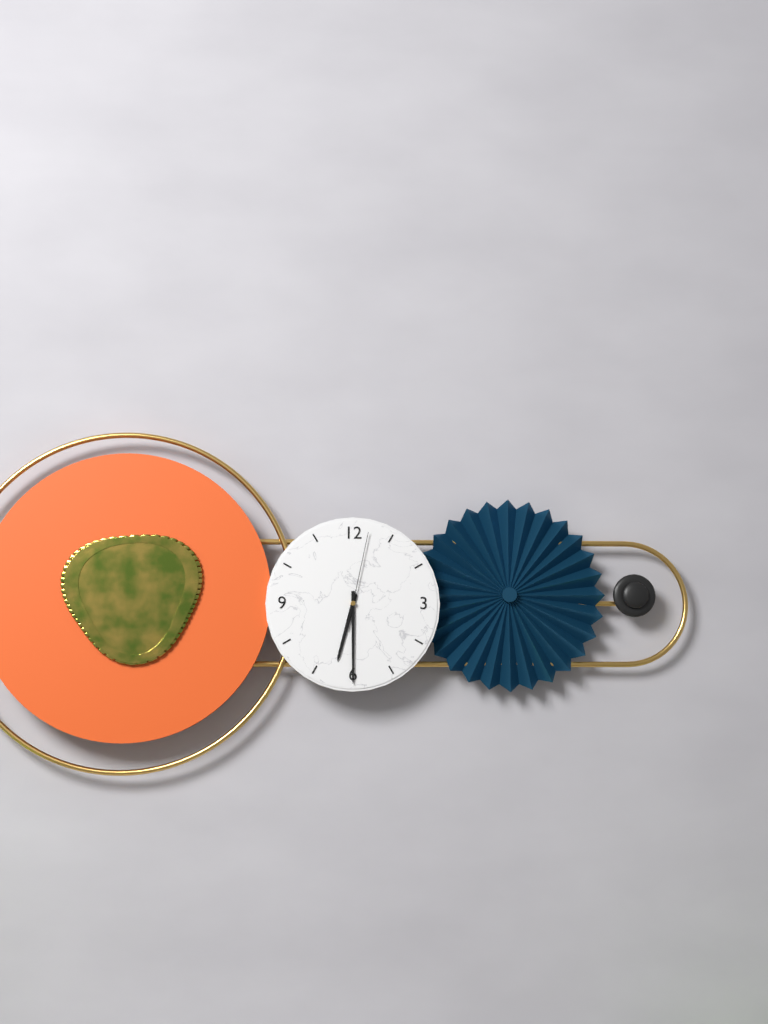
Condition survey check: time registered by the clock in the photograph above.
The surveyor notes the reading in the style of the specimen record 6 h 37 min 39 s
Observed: 6 h 30 min 02 s
